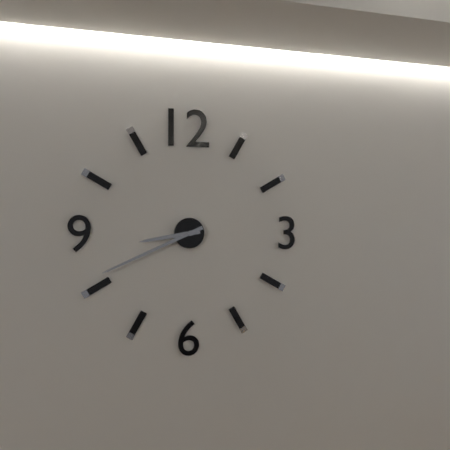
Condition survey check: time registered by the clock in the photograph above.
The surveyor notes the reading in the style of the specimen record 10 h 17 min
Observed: 8 h 41 min
